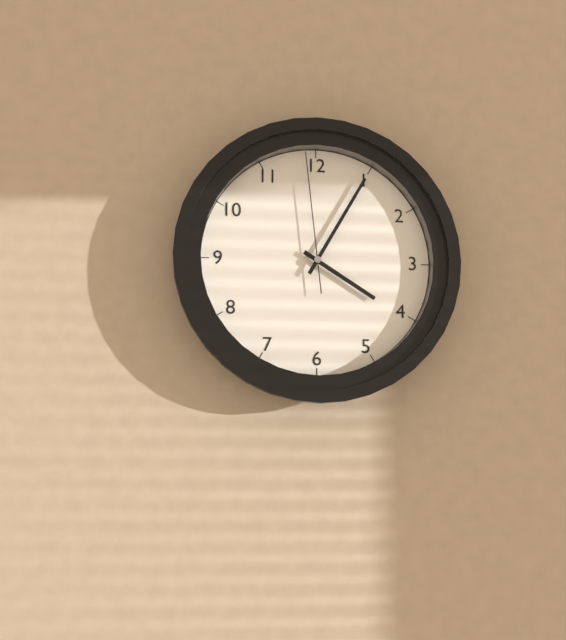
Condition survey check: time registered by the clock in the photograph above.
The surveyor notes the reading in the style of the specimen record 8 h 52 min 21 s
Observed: 4 h 05 min 59 s
